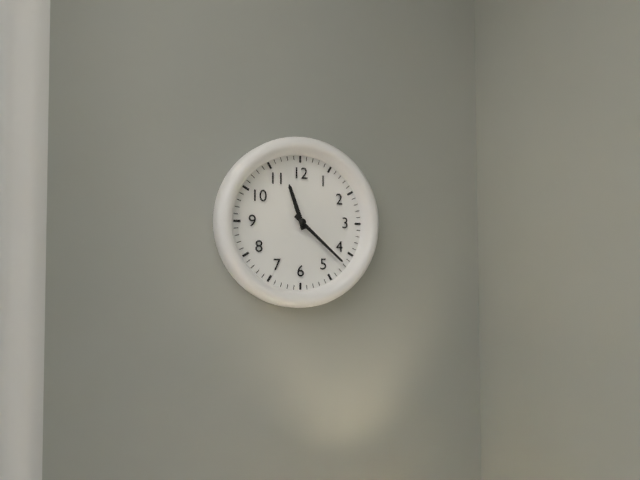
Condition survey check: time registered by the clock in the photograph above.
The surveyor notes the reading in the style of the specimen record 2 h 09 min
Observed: 11 h 22 min
